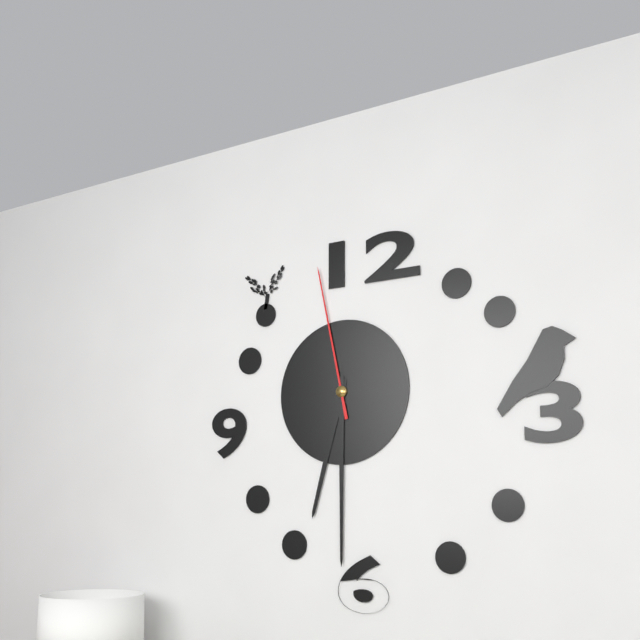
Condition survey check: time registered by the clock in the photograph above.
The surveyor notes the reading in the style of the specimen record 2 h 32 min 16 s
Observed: 6 h 30 min 58 s
